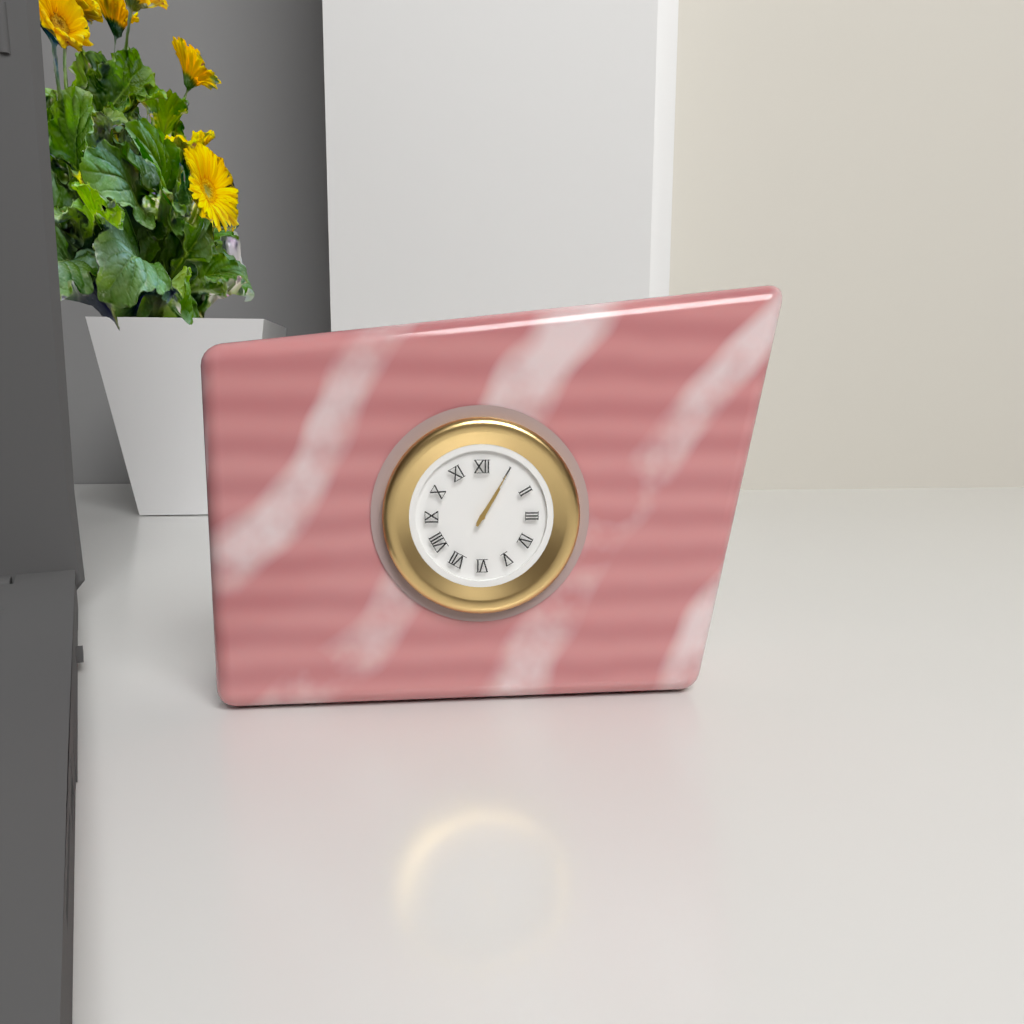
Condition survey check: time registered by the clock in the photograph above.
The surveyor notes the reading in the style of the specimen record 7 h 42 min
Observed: 1 h 05 min
